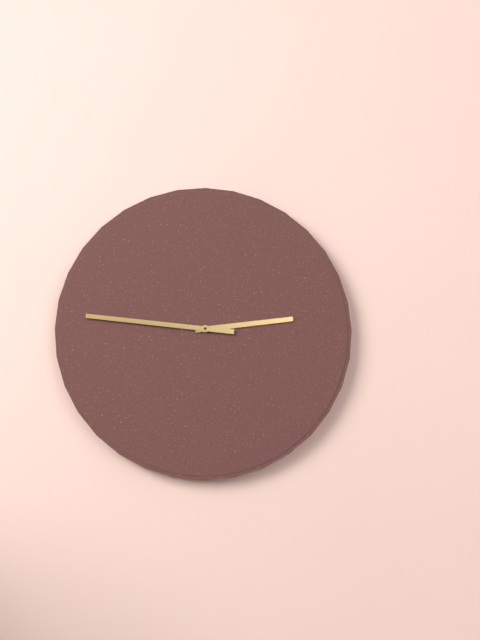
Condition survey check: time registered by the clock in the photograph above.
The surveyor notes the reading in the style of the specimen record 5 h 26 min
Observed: 2 h 46 min
